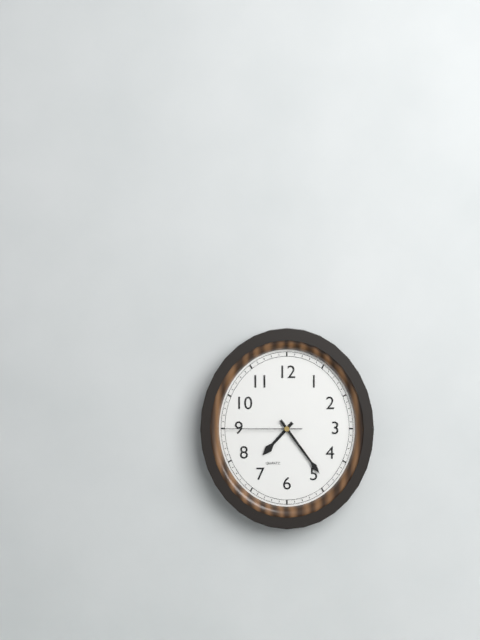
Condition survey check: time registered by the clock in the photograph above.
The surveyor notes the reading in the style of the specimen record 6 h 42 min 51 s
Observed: 7 h 24 min 45 s
